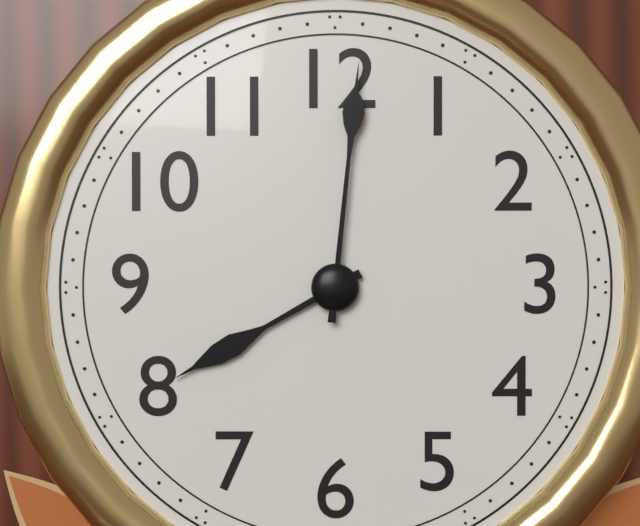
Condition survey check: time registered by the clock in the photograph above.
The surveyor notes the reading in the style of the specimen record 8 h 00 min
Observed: 8 h 01 min
